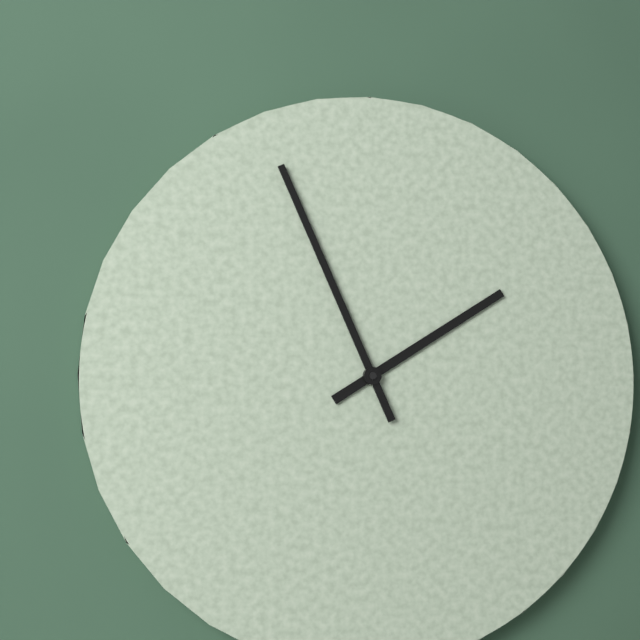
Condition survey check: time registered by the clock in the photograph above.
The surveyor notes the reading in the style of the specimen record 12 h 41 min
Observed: 1 h 56 min
